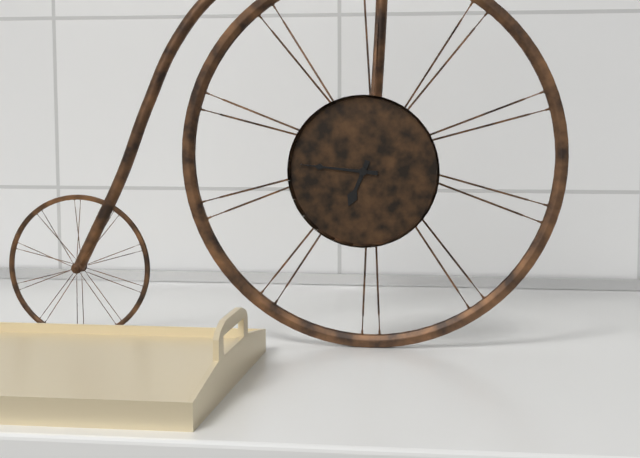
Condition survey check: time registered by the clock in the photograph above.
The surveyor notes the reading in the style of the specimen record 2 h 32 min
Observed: 6 h 46 min
